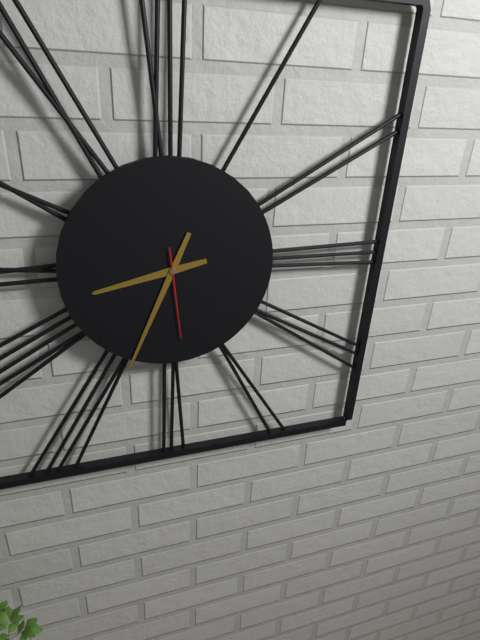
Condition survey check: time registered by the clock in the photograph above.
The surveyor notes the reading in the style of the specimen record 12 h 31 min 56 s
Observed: 8 h 34 min 29 s
